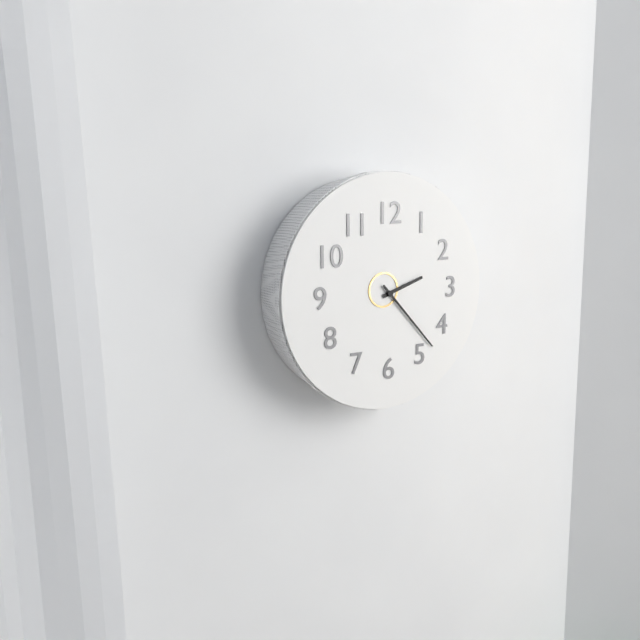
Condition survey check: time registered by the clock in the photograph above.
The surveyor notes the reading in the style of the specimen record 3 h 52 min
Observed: 2 h 23 min
